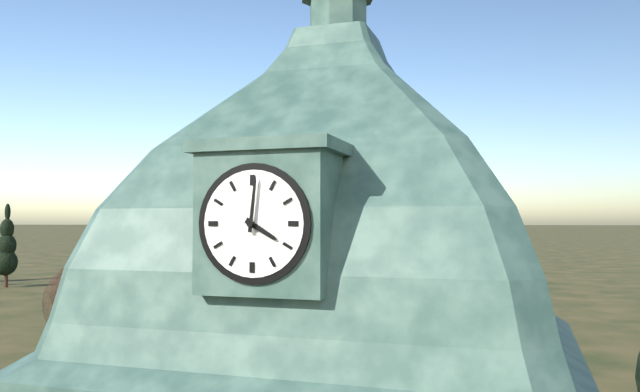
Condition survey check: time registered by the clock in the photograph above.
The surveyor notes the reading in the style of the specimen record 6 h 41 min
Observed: 4 h 01 min
